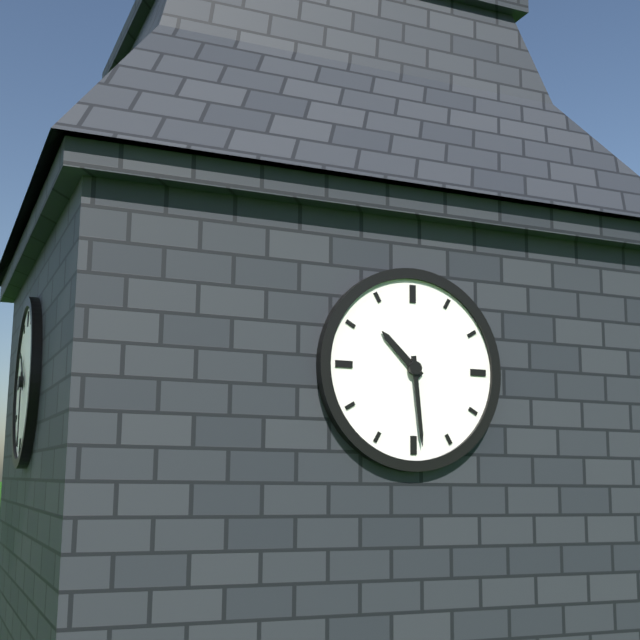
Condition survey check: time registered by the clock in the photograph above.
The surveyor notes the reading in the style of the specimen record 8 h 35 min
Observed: 10 h 29 min
